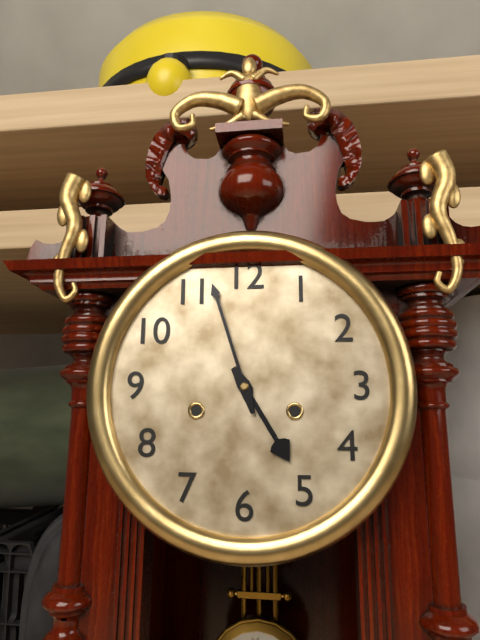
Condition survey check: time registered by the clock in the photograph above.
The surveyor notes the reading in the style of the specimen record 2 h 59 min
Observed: 4 h 57 min
